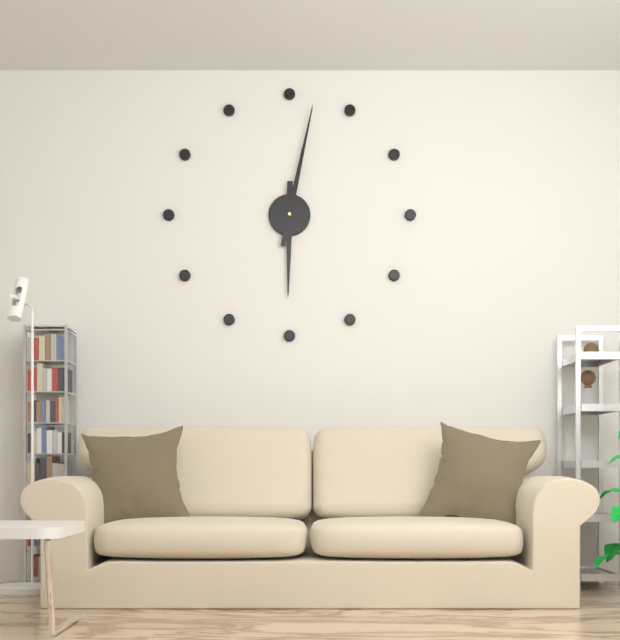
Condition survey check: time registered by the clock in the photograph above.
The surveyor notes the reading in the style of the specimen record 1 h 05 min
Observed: 6 h 02 min
